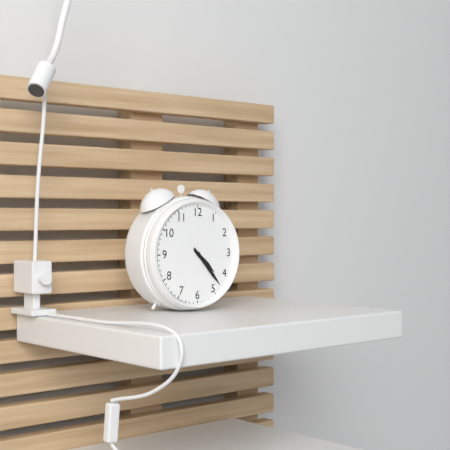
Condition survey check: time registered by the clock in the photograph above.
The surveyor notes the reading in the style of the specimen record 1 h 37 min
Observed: 4 h 23 min
